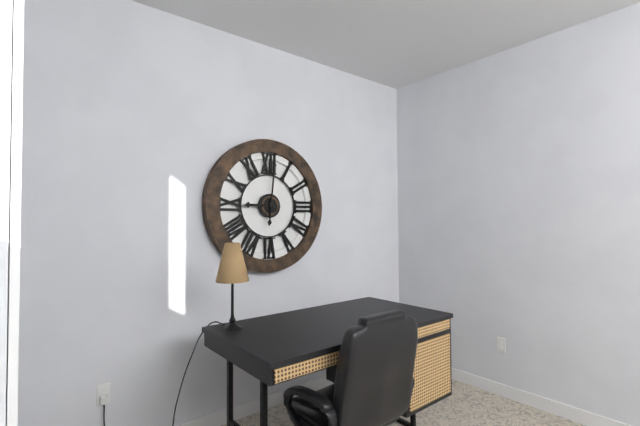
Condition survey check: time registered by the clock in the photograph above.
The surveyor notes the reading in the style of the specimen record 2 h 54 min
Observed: 9 h 01 min
